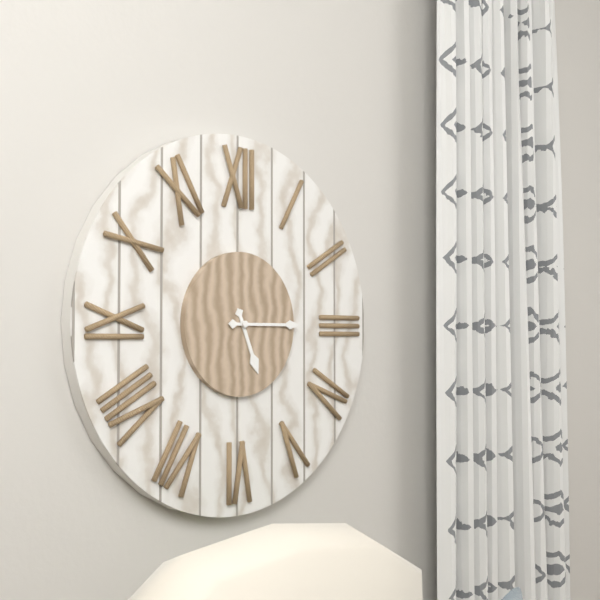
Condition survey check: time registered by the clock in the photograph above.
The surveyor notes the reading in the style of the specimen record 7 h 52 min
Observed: 5 h 15 min
